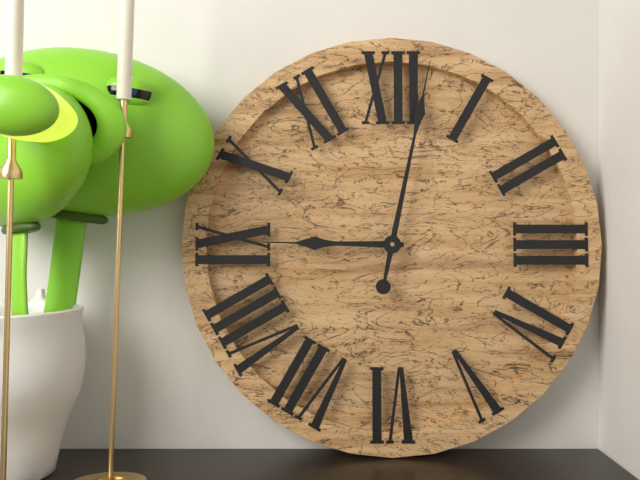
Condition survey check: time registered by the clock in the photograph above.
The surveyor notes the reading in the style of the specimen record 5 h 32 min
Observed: 9 h 02 min
